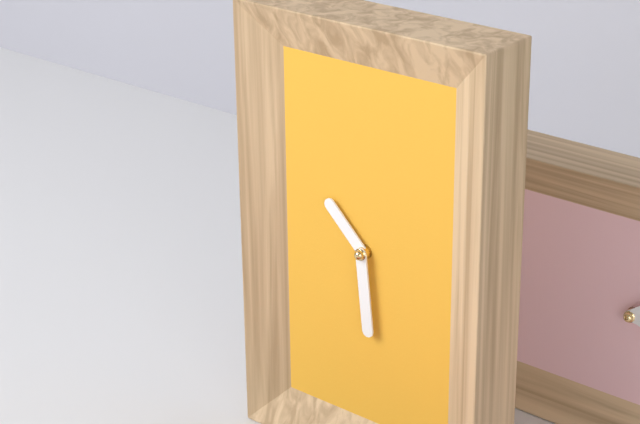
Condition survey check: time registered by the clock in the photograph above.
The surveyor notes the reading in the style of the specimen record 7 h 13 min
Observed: 10 h 29 min
